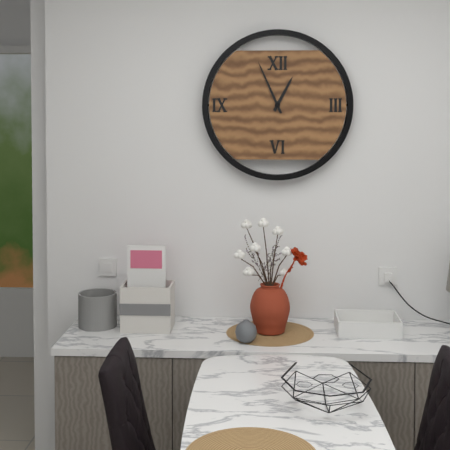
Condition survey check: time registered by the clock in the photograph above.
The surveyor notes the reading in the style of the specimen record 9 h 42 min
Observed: 12 h 56 min
